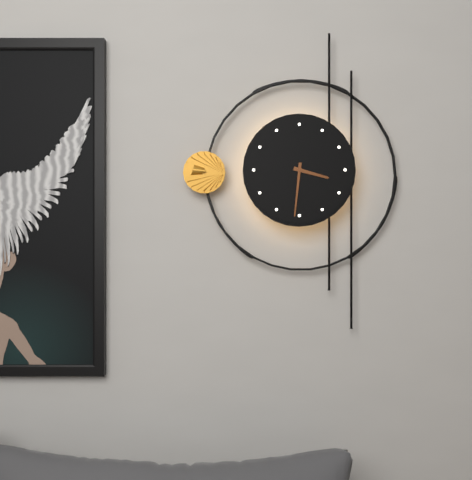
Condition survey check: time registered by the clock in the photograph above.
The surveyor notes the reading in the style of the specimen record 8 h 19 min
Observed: 3 h 31 min
